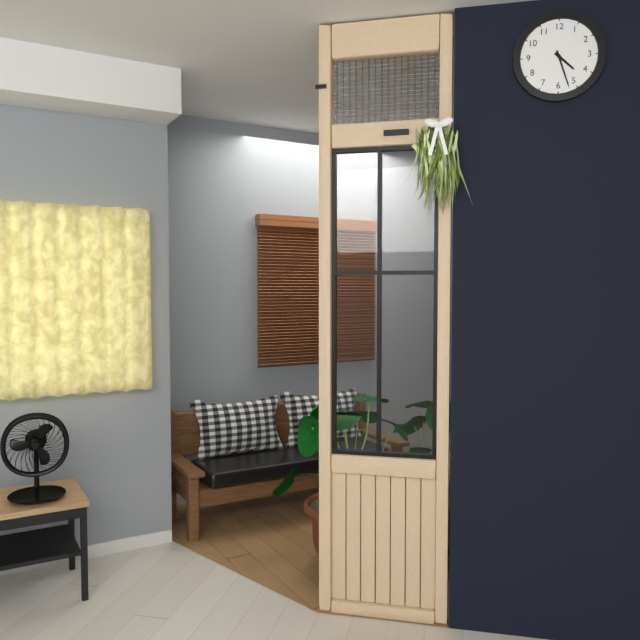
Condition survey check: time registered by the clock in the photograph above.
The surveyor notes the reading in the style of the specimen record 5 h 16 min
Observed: 4 h 27 min
